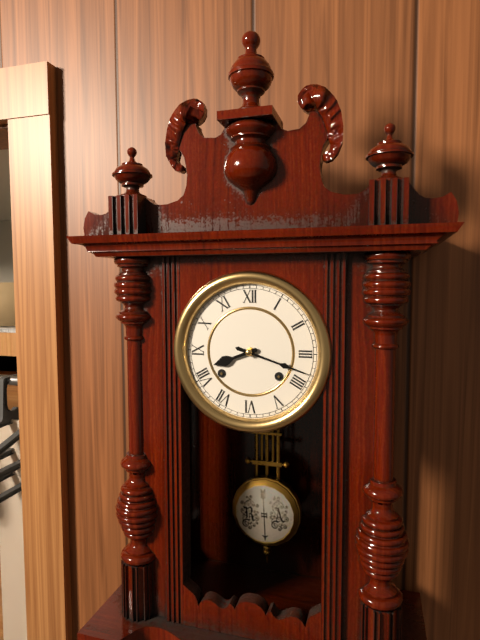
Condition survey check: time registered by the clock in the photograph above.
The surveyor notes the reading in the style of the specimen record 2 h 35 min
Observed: 8 h 18 min
